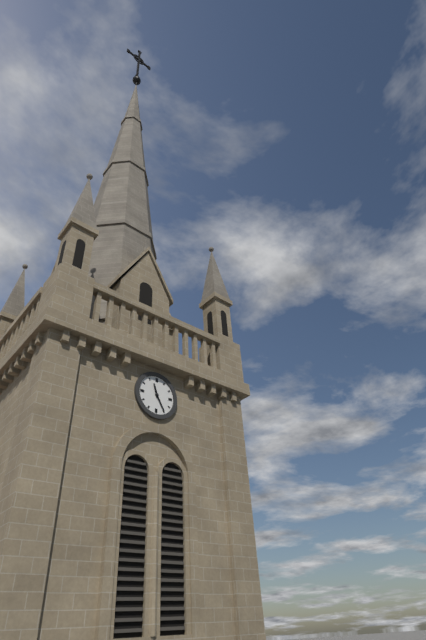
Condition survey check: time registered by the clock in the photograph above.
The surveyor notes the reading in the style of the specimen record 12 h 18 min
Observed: 11 h 25 min
